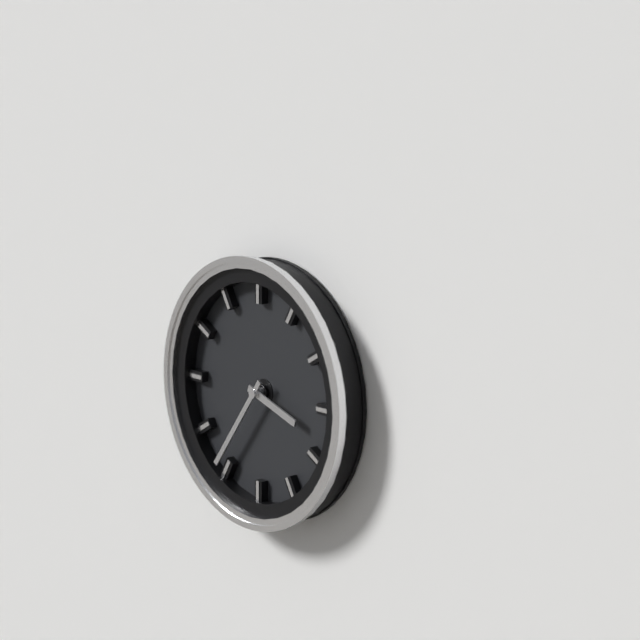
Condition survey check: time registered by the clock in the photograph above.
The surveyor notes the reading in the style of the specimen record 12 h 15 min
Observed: 3 h 36 min
